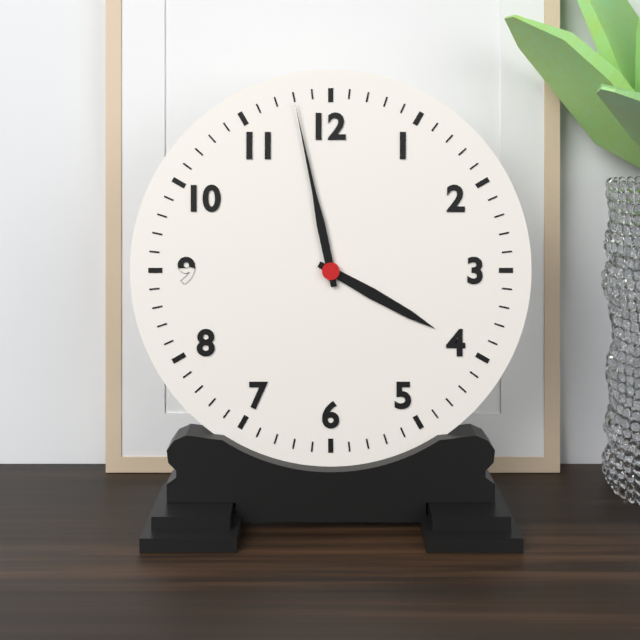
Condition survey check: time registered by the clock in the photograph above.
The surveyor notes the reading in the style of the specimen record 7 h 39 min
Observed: 3 h 58 min
